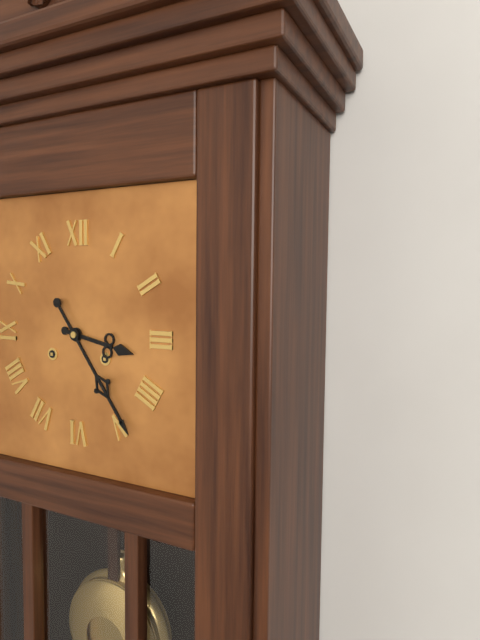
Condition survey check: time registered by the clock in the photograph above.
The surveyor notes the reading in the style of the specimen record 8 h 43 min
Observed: 3 h 24 min
